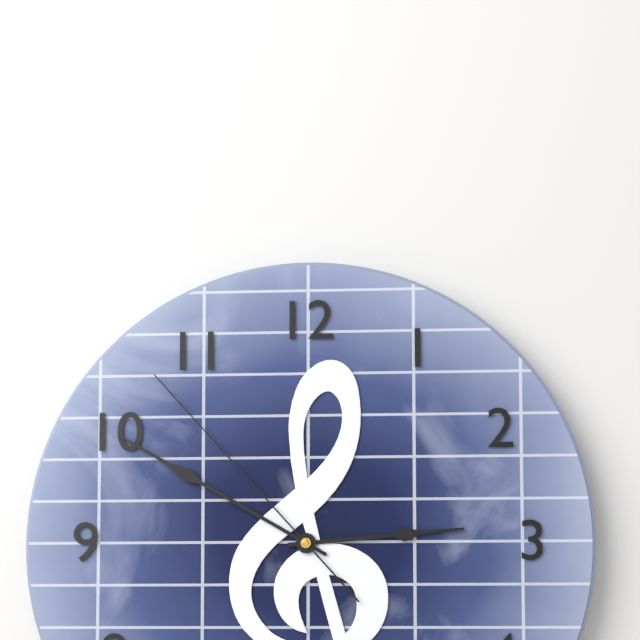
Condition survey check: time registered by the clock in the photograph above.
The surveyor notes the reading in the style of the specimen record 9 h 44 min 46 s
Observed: 2 h 50 min 53 s
